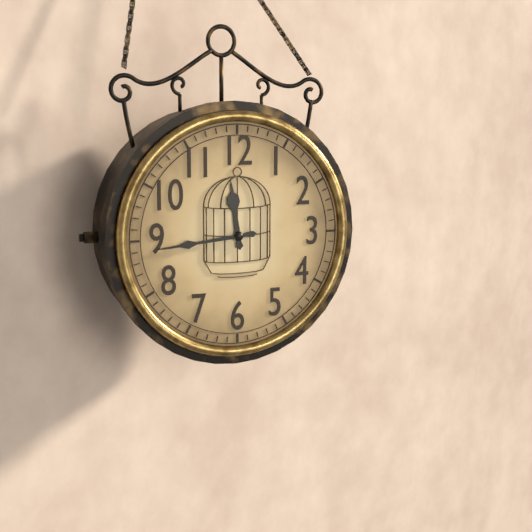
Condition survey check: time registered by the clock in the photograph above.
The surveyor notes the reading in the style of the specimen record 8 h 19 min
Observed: 11 h 44 min
